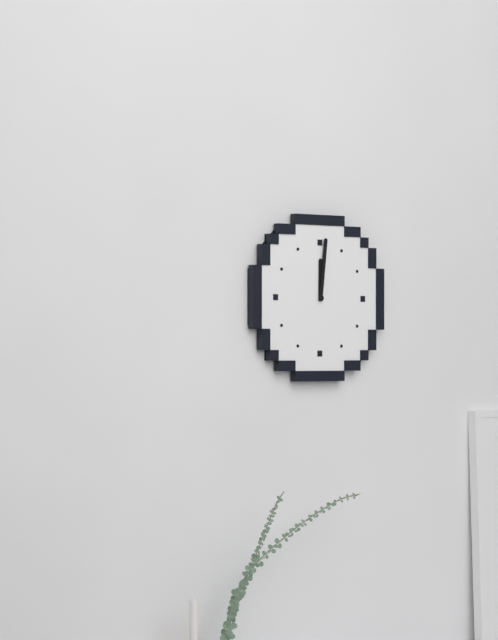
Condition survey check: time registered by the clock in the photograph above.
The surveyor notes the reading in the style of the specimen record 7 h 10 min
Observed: 12 h 01 min
